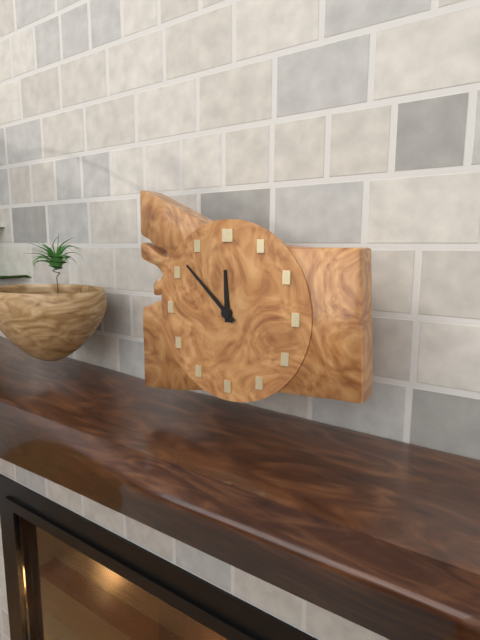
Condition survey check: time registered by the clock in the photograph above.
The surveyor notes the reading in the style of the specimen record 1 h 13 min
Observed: 11 h 52 min
